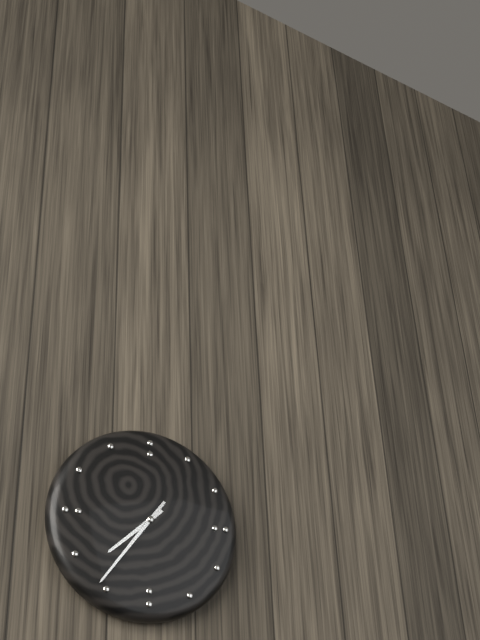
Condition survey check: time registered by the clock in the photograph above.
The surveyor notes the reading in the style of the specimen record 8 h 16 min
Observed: 7 h 36 min
